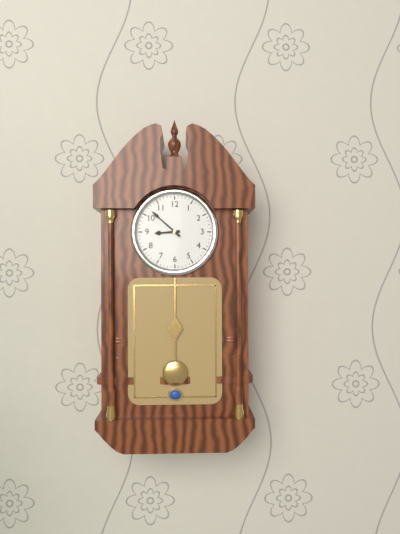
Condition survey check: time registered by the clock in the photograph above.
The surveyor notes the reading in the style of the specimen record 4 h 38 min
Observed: 8 h 52 min
